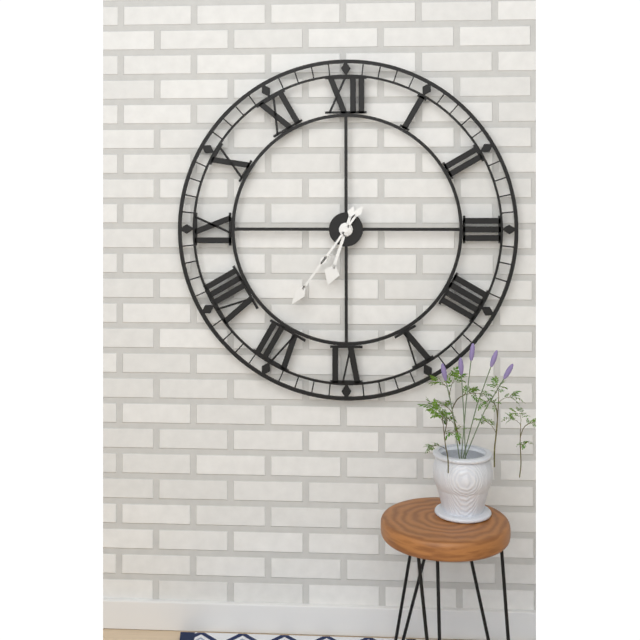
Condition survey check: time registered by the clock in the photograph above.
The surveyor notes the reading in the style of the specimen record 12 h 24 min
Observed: 6 h 36 min
